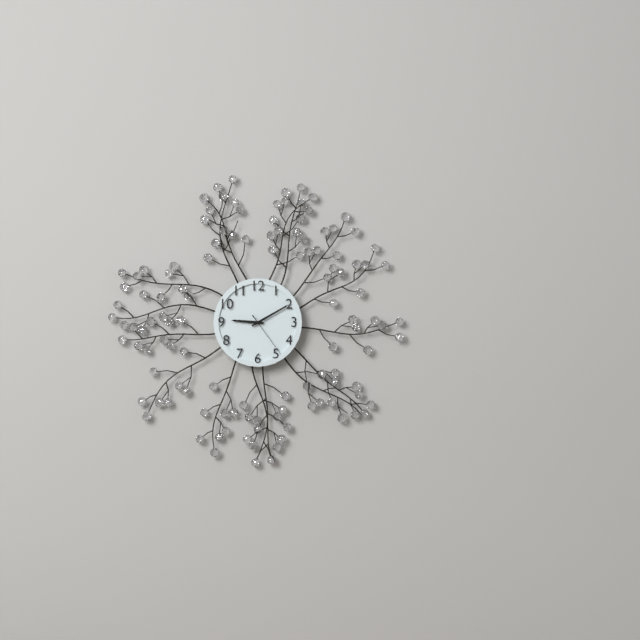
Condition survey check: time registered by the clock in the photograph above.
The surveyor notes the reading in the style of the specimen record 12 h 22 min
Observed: 9 h 10 min
